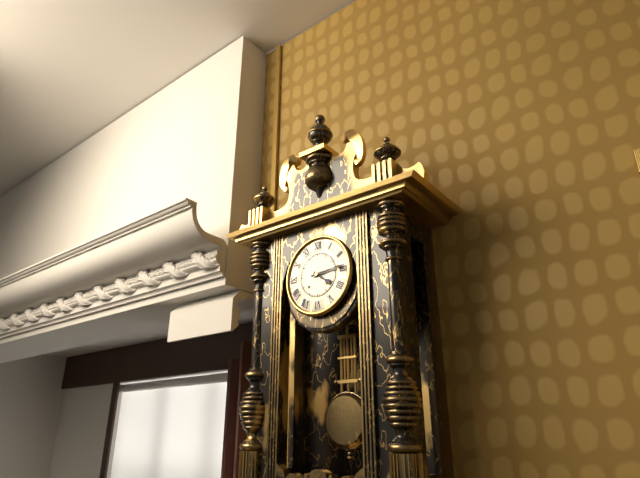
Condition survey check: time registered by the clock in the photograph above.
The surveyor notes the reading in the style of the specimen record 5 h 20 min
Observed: 4 h 14 min
